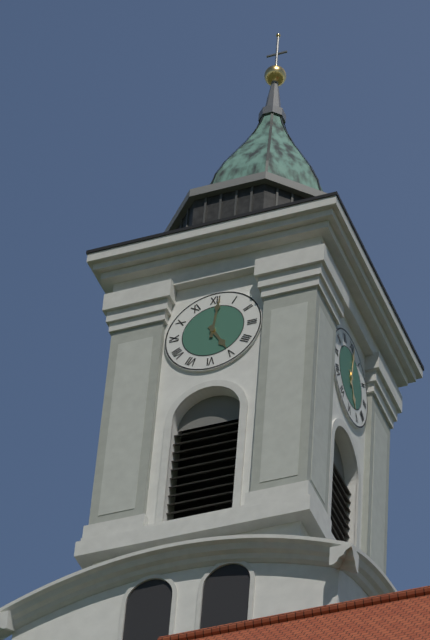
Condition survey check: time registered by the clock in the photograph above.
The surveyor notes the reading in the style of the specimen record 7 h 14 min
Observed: 5 h 01 min
